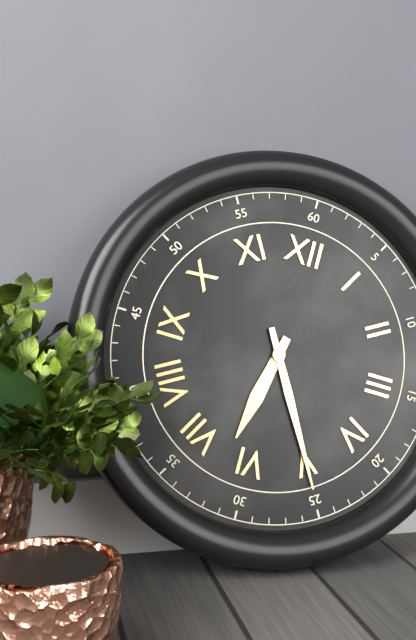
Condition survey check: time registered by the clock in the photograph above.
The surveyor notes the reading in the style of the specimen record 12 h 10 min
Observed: 6 h 25 min
